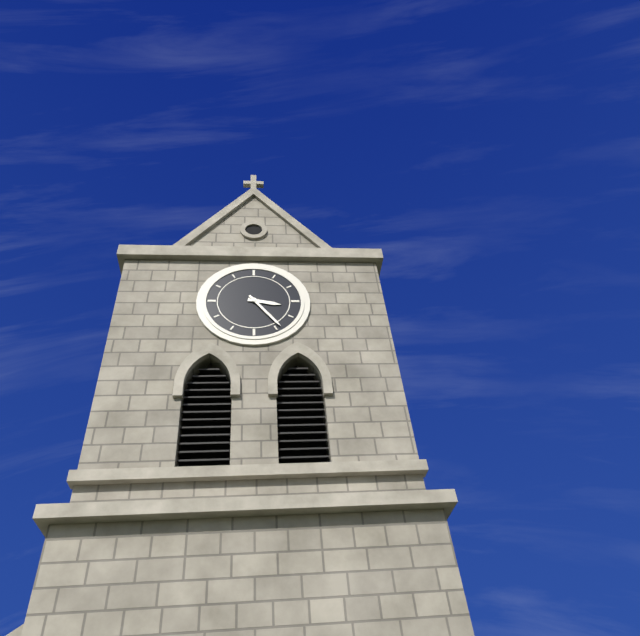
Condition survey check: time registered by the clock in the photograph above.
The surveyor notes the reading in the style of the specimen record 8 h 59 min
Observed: 3 h 24 min
